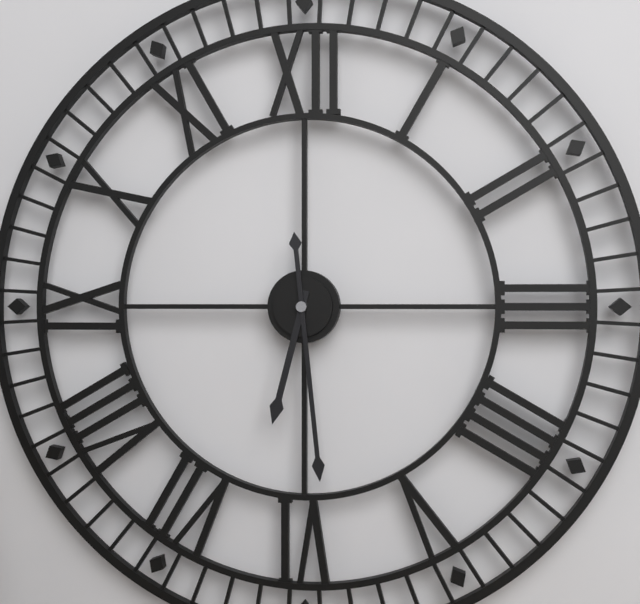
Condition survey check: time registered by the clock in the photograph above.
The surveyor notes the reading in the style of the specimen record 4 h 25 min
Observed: 6 h 29 min
